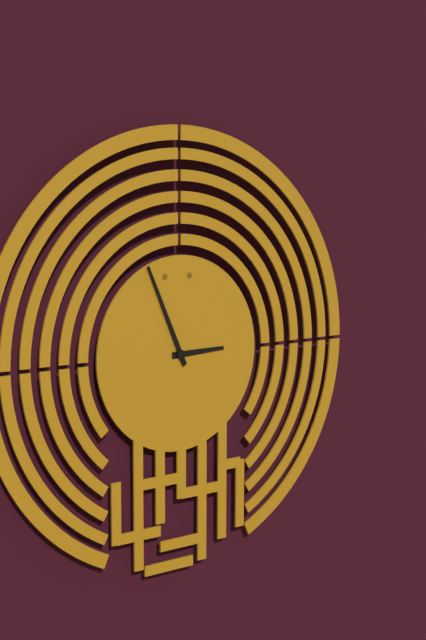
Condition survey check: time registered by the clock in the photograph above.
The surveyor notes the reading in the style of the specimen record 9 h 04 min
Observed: 2 h 56 min
